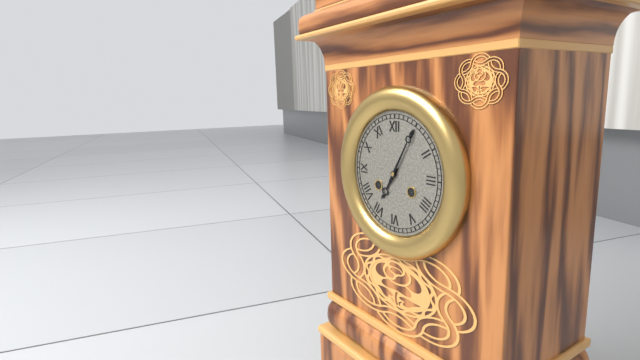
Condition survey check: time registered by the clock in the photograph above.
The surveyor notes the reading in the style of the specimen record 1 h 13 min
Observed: 7 h 05 min
